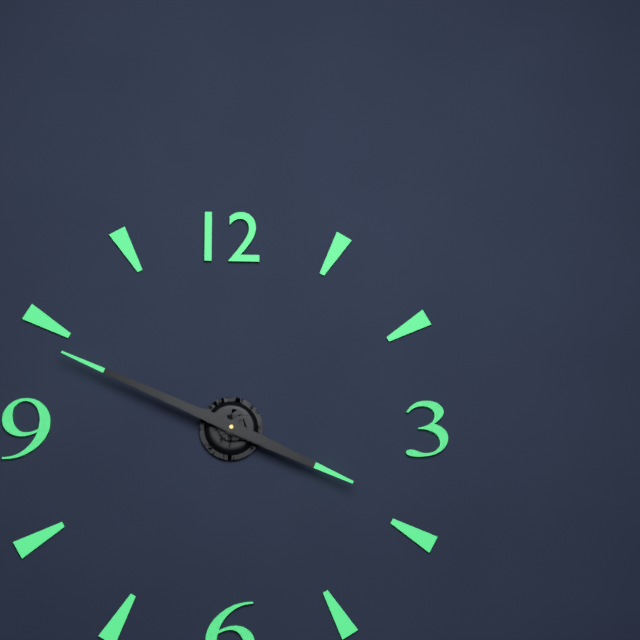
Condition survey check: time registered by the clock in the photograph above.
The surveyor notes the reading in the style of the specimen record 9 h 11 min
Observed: 3 h 49 min
